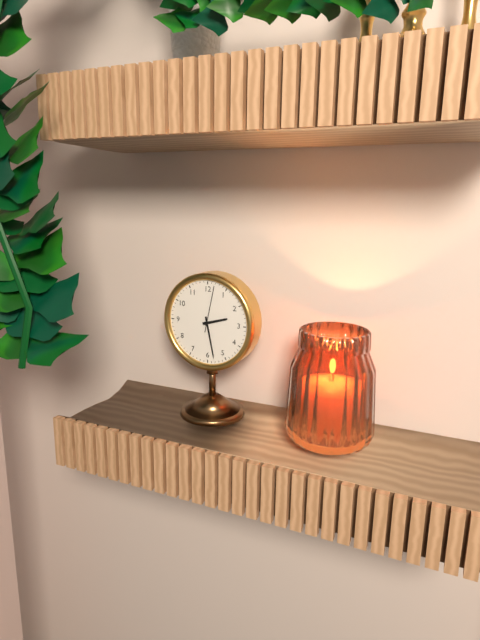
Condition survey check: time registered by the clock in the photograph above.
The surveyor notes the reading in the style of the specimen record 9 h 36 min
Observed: 2 h 28 min
